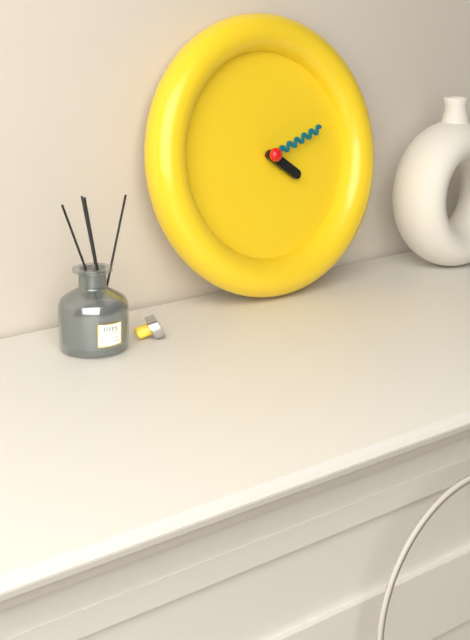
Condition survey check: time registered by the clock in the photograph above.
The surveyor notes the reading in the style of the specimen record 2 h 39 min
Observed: 4 h 12 min
